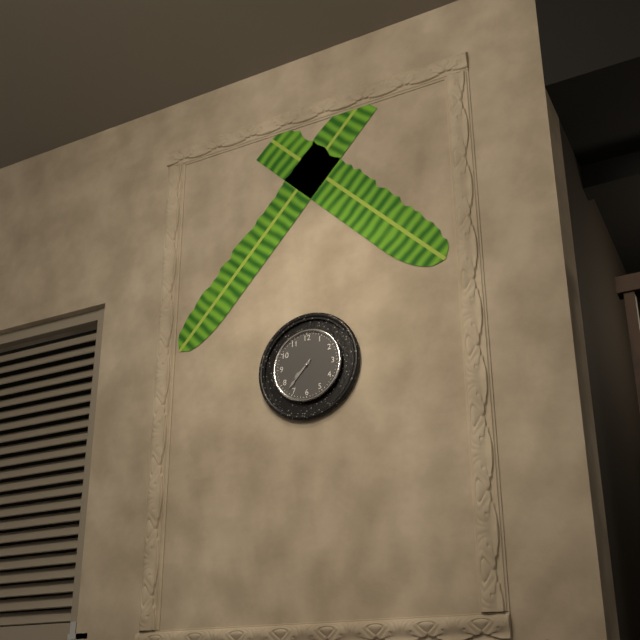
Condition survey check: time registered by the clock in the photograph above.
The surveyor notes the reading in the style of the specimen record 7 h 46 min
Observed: 7 h 37 min
